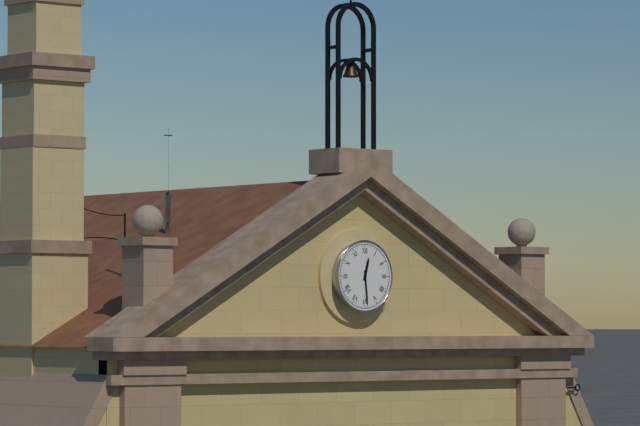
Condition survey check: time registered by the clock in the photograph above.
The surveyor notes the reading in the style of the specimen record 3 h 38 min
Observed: 12 h 29 min
